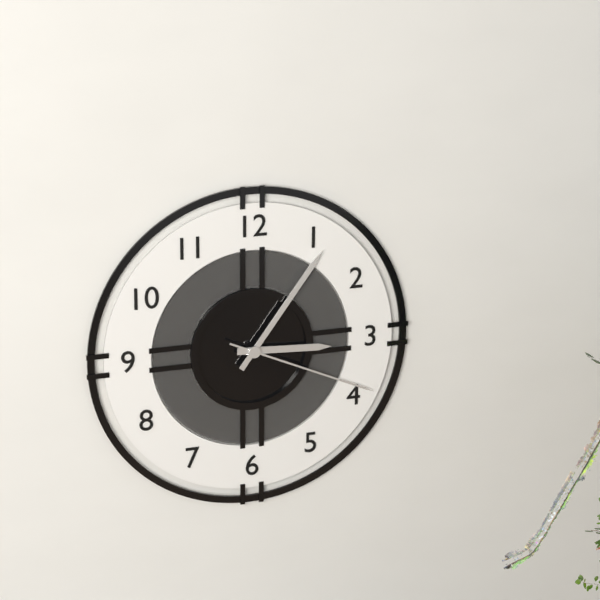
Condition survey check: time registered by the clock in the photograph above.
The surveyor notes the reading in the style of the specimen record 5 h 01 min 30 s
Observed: 3 h 06 min 19 s
